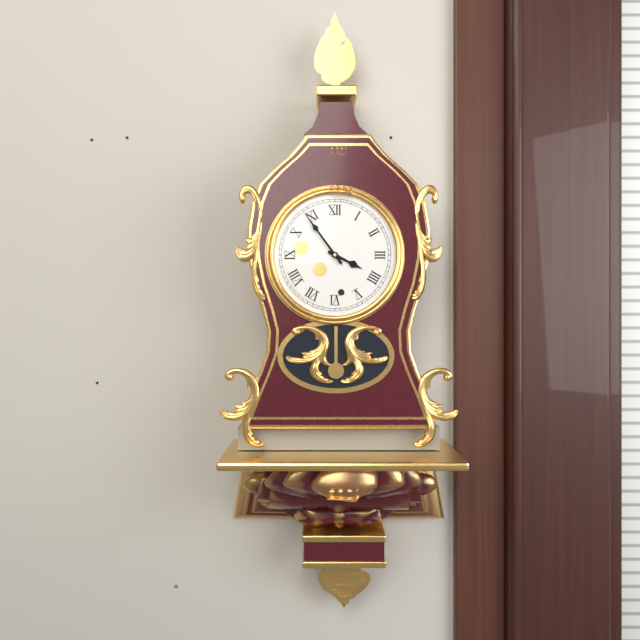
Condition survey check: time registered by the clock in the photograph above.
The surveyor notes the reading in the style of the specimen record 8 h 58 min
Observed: 3 h 54 min
